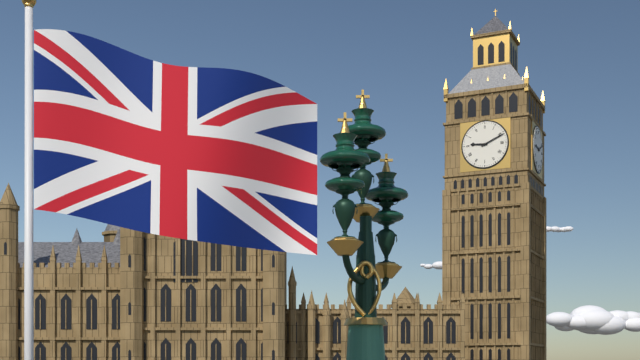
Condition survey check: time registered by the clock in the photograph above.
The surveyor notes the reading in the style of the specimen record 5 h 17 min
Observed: 9 h 11 min
